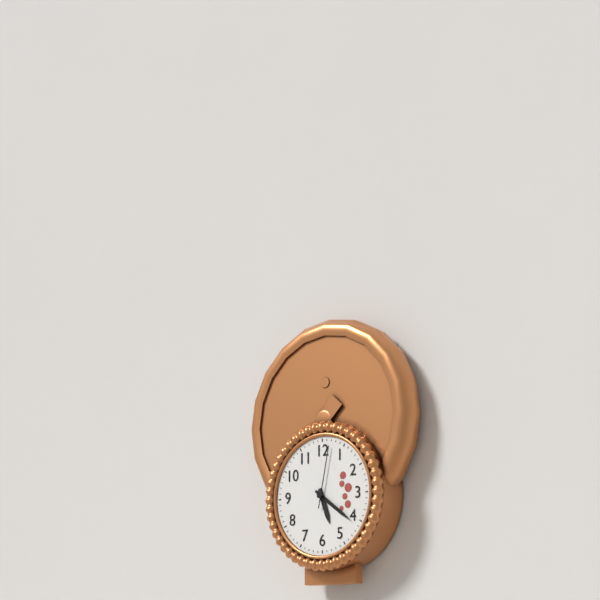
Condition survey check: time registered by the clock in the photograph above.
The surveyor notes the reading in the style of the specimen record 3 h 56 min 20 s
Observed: 5 h 21 min 02 s
